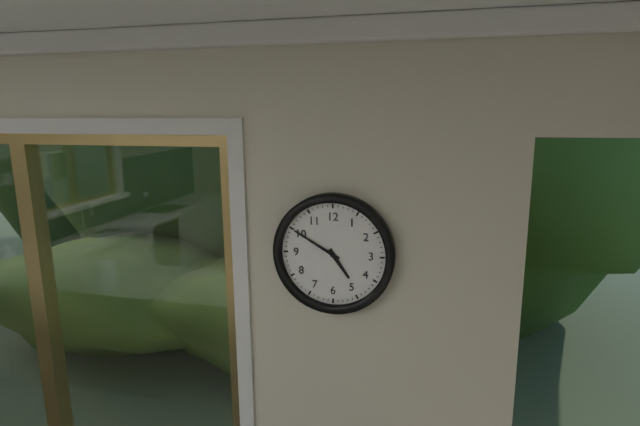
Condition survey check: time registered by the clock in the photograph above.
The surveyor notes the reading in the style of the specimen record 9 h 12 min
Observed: 4 h 50 min
